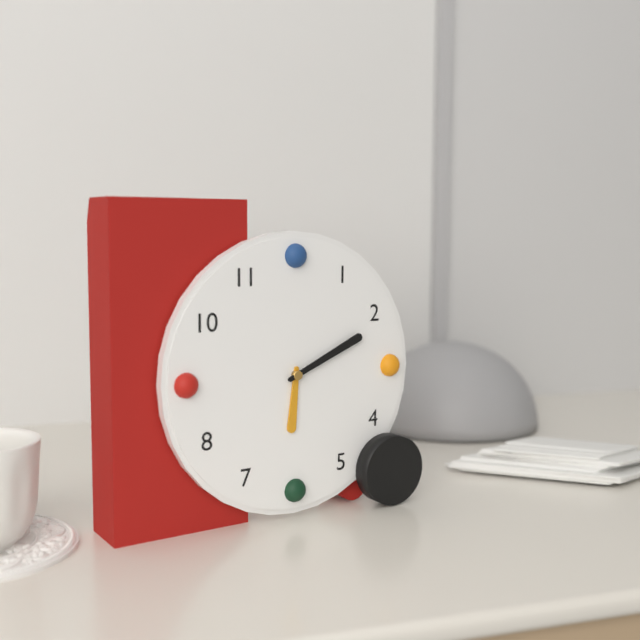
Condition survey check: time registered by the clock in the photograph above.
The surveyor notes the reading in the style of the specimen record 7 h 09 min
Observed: 6 h 11 min
